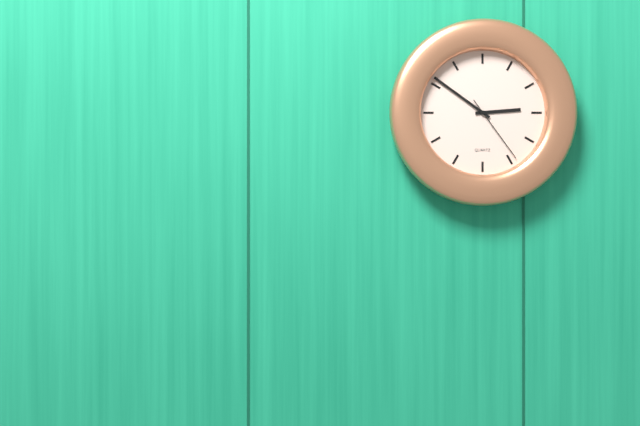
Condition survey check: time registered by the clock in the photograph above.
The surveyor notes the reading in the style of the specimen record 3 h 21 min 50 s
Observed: 2 h 51 min 24 s
